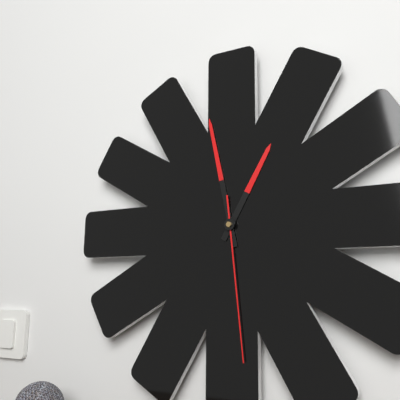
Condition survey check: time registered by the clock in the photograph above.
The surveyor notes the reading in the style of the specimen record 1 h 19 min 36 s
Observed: 12 h 58 min 29 s
